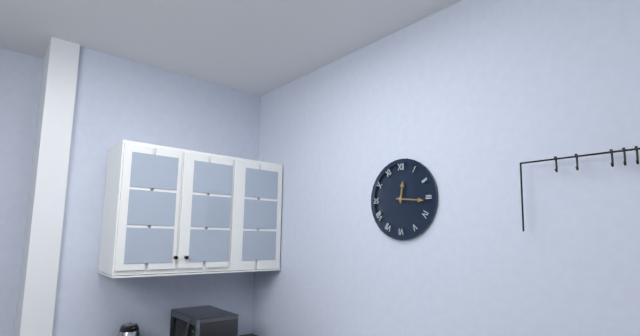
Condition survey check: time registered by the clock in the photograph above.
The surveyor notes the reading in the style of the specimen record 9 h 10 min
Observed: 12 h 16 min
